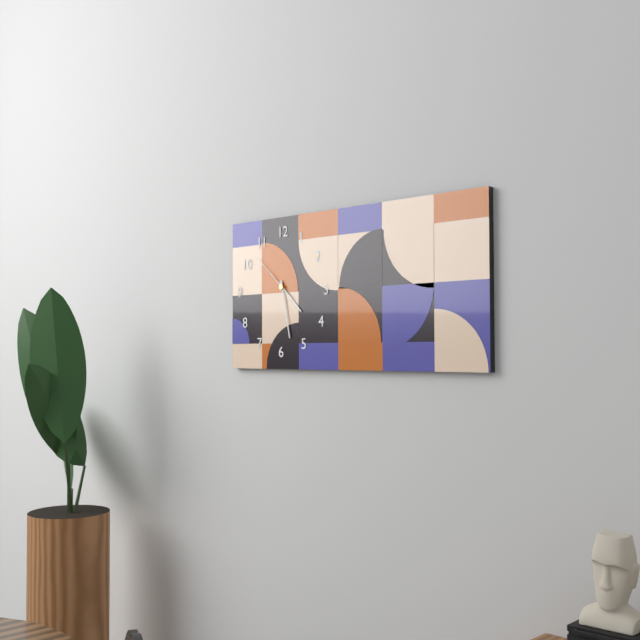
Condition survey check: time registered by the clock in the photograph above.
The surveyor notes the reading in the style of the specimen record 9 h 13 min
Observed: 4 h 28 min
